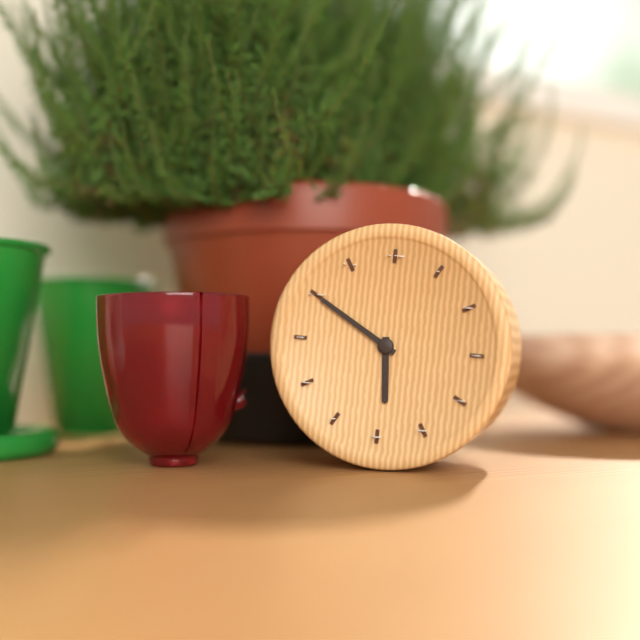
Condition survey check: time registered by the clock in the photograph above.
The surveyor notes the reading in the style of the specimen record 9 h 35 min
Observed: 5 h 50 min
